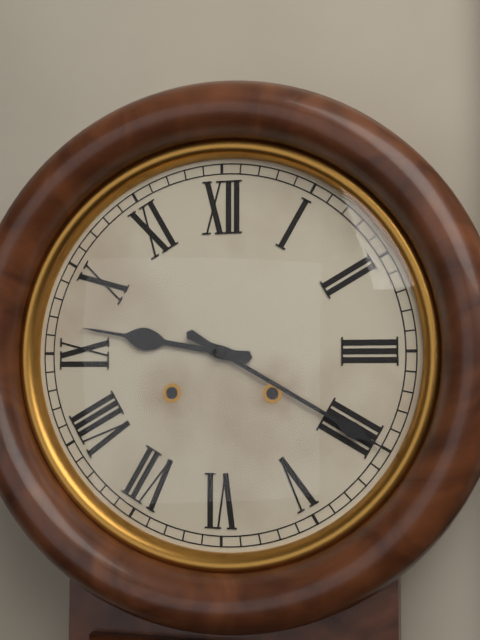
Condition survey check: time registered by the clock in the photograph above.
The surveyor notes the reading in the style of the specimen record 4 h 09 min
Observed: 9 h 20 min
